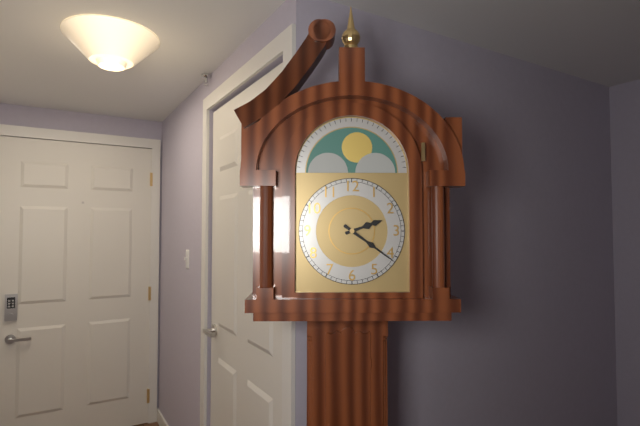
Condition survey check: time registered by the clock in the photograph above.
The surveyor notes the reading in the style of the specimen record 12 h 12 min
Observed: 2 h 21 min
